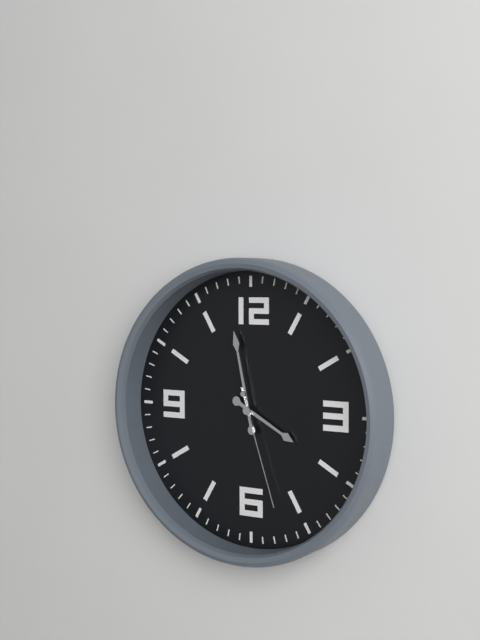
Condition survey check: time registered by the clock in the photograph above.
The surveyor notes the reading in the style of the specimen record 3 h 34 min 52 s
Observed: 3 h 58 min 27 s
